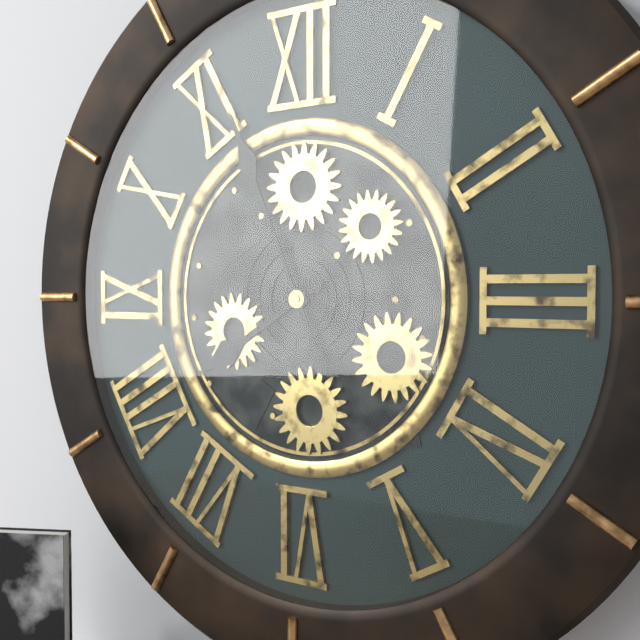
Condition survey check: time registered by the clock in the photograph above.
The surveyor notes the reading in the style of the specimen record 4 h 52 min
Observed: 7 h 56 min
